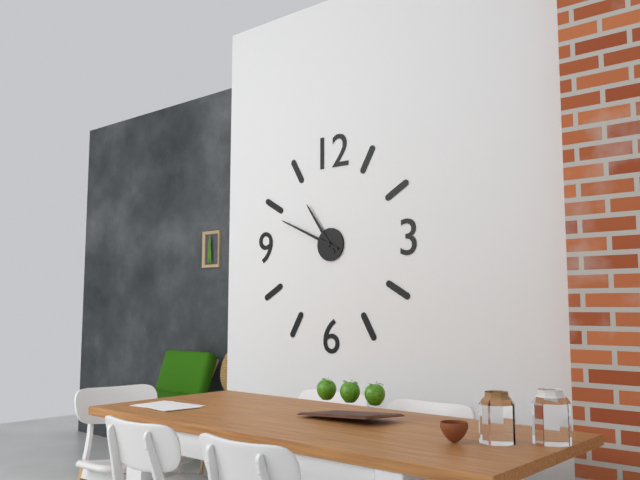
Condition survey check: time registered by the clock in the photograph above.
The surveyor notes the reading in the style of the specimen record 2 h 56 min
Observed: 10 h 49 min
